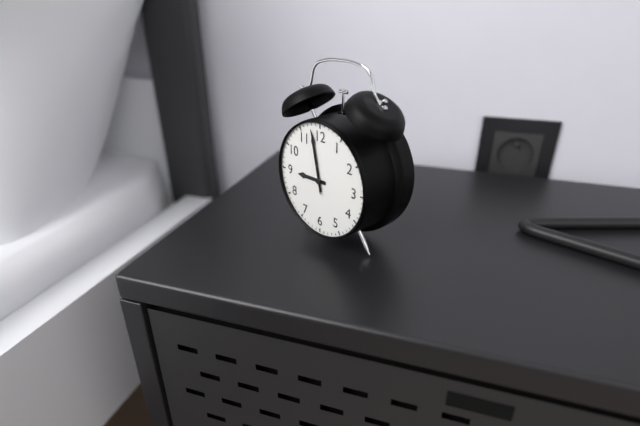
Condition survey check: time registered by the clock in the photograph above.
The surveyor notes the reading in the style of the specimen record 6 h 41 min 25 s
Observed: 8 h 58 min 58 s
